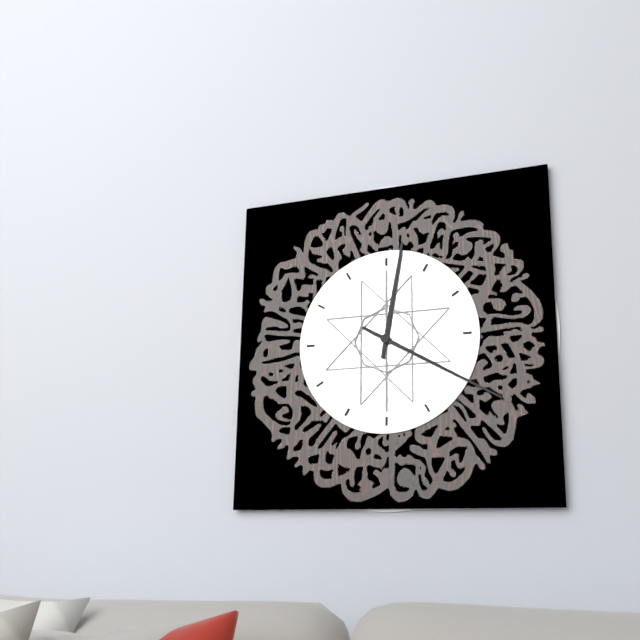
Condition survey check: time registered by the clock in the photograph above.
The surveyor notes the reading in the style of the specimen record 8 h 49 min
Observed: 12 h 20 min
